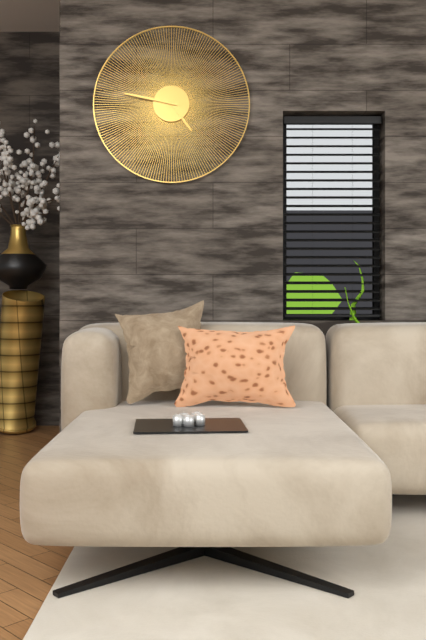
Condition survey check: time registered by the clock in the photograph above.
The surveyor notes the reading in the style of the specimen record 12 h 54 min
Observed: 4 h 47 min
